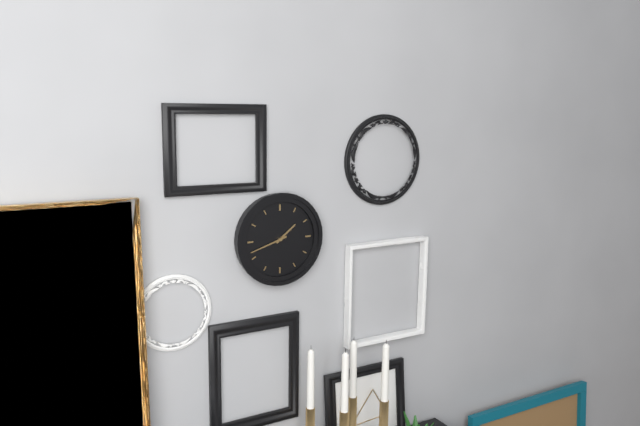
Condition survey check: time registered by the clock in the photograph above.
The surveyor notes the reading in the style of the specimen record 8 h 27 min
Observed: 1 h 42 min
